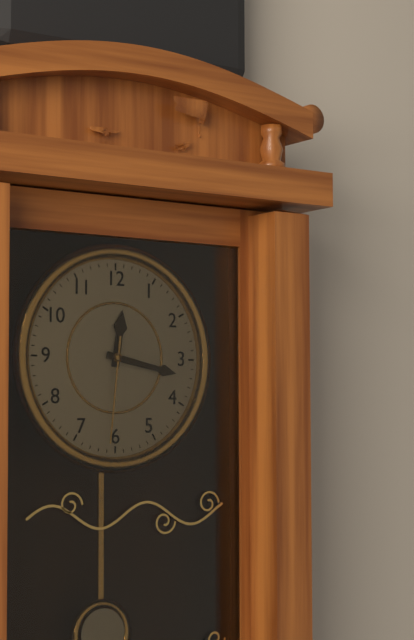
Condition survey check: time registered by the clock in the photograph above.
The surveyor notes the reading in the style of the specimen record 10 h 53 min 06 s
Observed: 12 h 17 min 31 s
